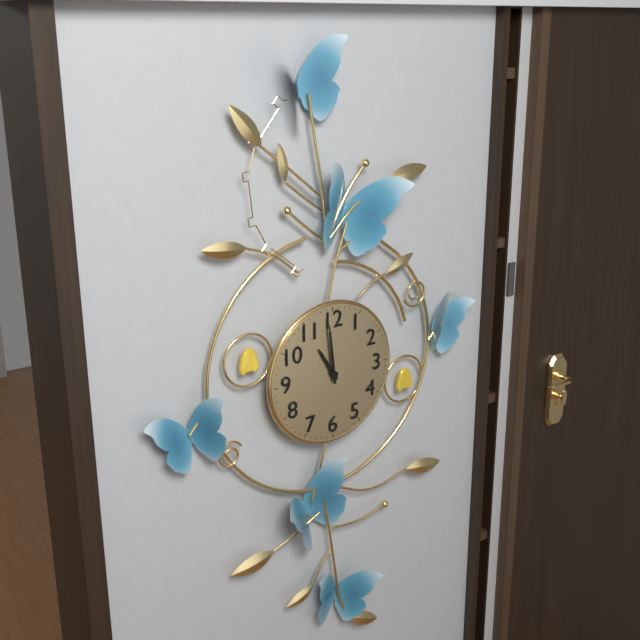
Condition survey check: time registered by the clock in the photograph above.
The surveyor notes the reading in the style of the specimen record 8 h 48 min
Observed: 10 h 59 min
